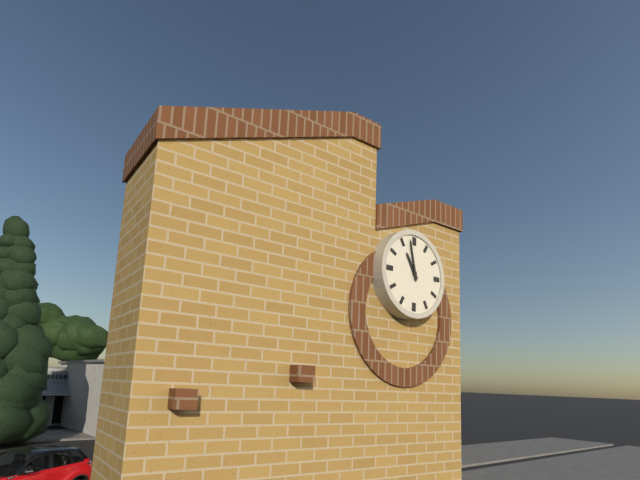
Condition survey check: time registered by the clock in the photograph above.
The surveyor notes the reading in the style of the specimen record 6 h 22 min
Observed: 10 h 58 min
